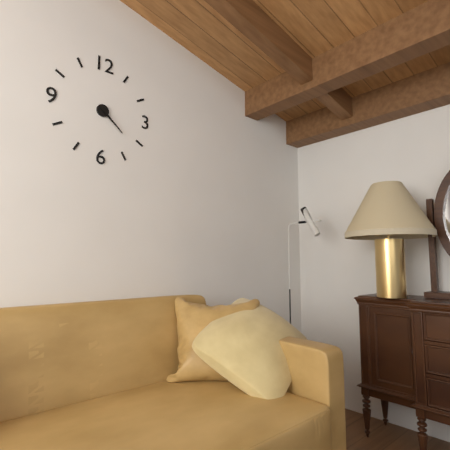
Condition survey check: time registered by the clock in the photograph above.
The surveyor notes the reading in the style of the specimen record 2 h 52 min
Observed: 4 h 22 min
